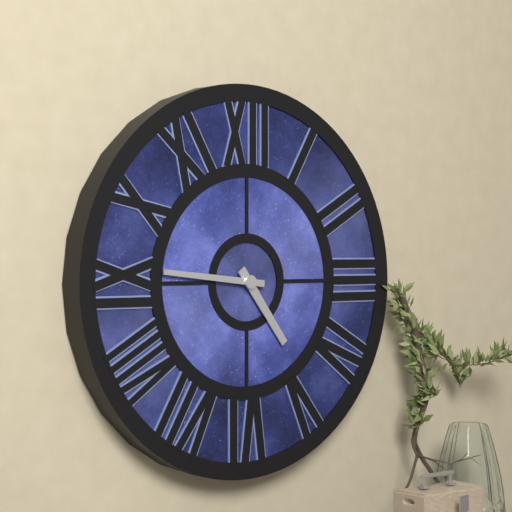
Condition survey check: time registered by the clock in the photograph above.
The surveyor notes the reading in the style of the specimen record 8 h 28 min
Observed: 4 h 46 min
